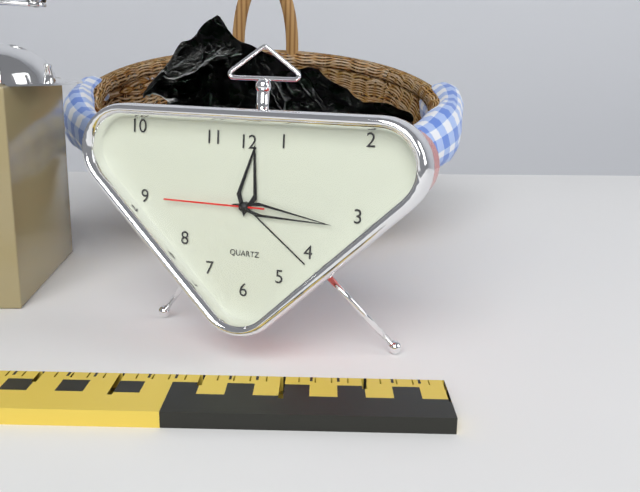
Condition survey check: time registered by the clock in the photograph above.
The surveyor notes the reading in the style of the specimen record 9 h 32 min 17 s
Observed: 12 h 16 min 45 s
